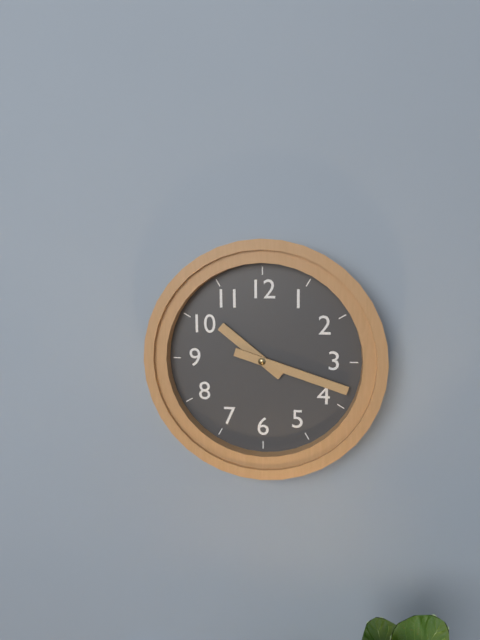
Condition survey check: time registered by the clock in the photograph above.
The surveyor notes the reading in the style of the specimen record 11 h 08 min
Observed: 10 h 18 min
